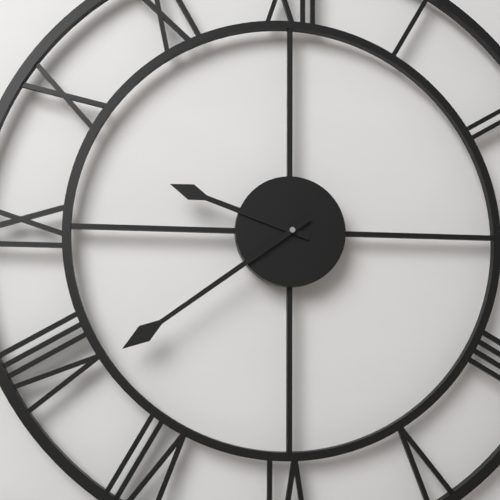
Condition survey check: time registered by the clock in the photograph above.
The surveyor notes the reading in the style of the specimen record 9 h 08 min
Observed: 9 h 39 min
